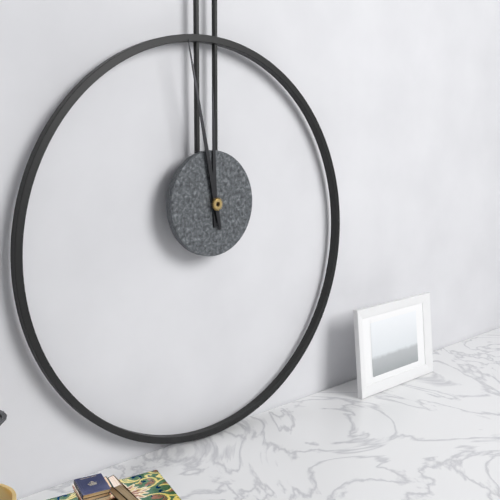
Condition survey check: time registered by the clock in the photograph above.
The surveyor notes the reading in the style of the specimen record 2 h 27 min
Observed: 11 h 58 min
